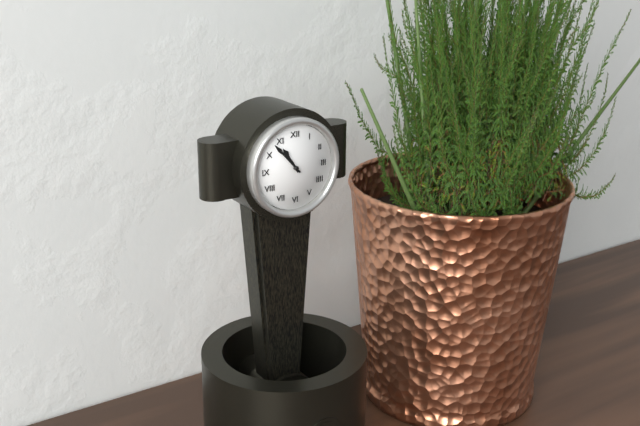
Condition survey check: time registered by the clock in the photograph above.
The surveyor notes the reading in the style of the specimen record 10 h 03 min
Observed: 10 h 53 min
